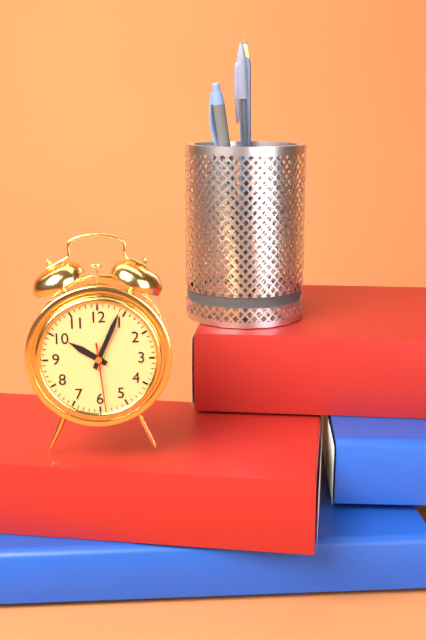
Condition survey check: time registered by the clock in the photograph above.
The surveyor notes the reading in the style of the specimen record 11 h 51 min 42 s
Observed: 10 h 04 min 29 s
